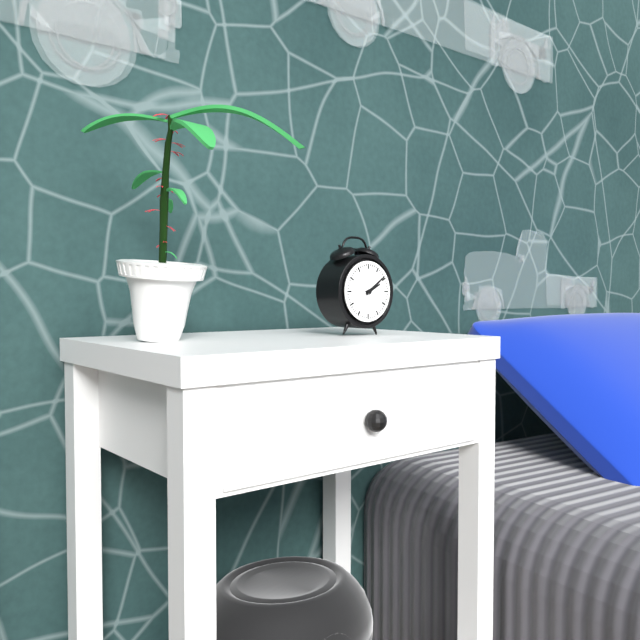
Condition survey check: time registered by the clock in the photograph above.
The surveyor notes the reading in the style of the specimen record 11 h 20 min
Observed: 2 h 09 min
